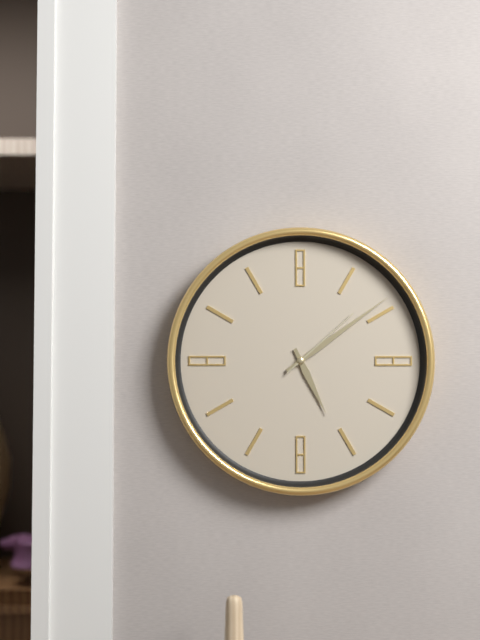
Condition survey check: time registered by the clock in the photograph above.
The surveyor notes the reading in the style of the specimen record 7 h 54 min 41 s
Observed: 5 h 09 min 08 s
